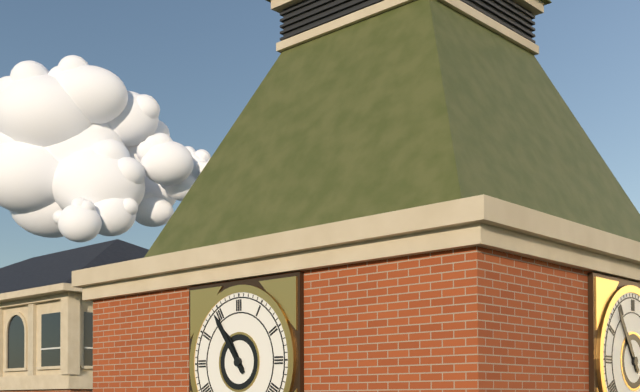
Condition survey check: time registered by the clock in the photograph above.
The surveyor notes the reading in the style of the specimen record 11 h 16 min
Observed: 10 h 54 min
